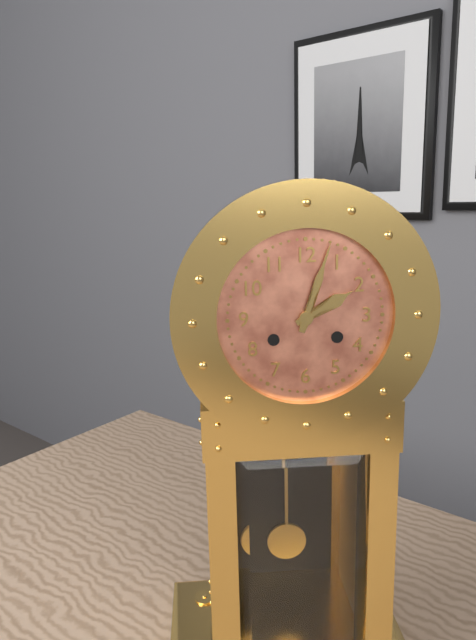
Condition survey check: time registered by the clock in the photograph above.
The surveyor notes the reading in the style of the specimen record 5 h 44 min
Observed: 2 h 03 min
